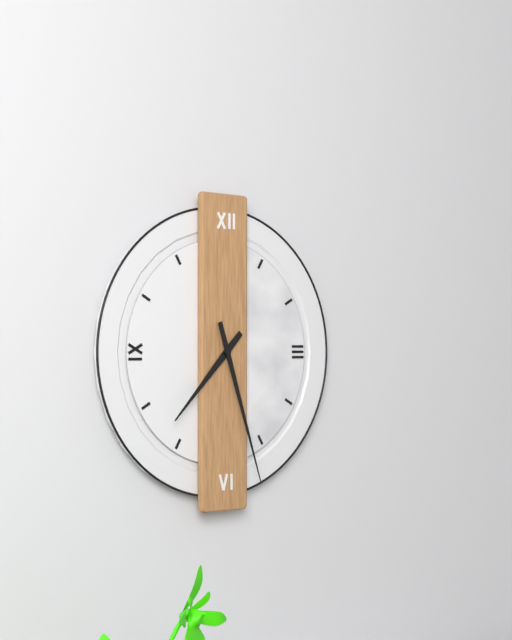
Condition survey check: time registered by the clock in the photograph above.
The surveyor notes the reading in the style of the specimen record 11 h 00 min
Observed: 7 h 27 min
